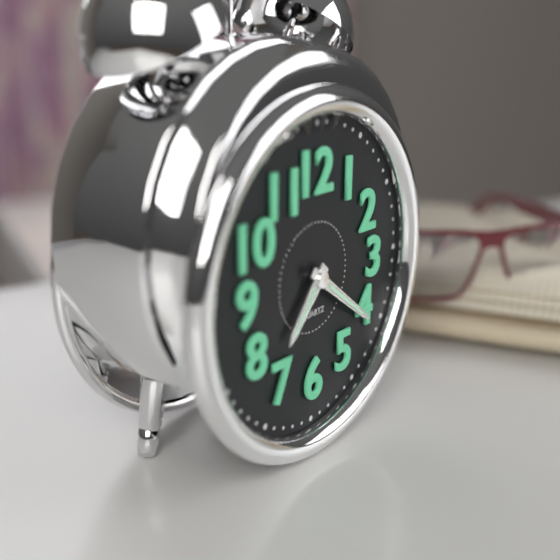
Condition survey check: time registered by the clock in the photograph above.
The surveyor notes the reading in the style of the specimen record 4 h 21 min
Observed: 7 h 21 min
